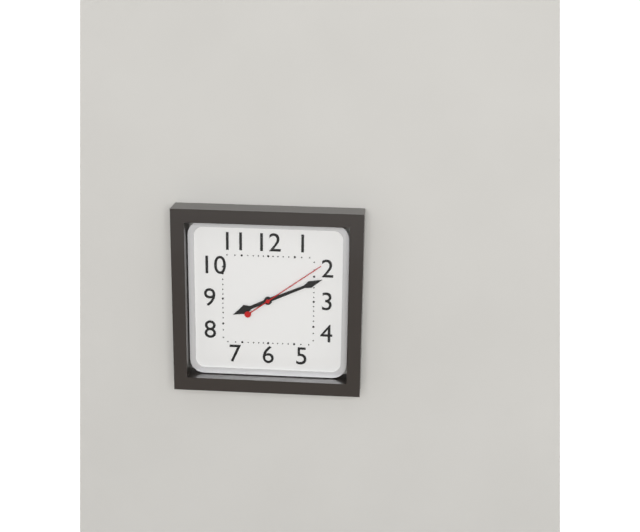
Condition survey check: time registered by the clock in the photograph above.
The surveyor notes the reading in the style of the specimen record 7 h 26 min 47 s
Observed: 8 h 11 min 09 s
